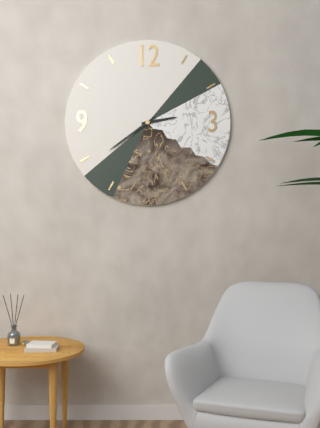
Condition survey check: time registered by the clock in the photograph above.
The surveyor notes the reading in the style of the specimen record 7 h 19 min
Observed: 2 h 39 min
